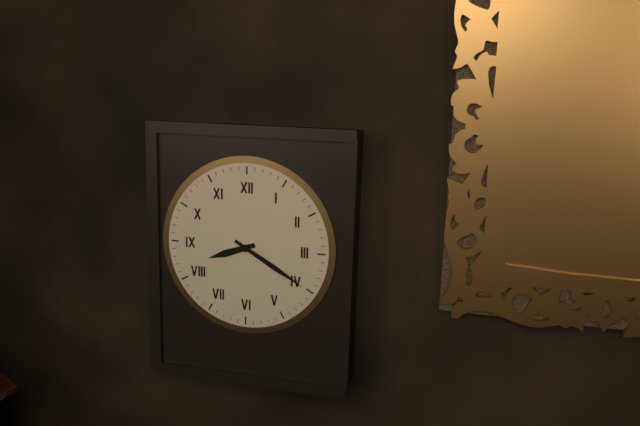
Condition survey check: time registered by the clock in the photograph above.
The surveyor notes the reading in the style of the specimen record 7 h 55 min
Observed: 8 h 20 min
